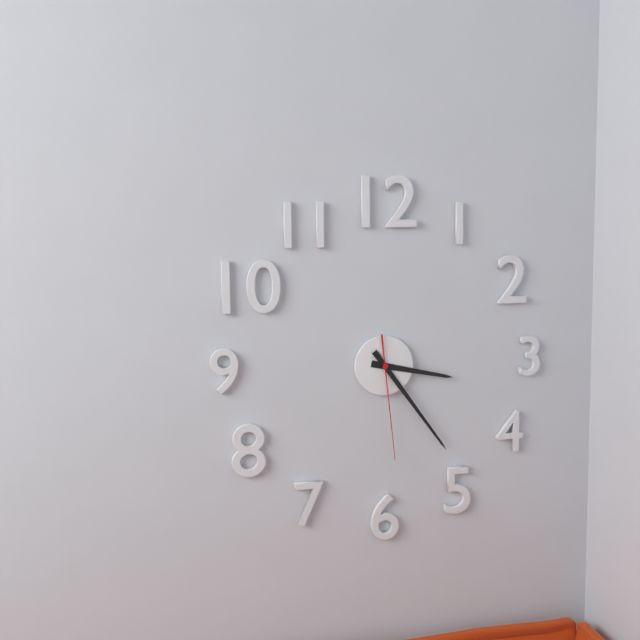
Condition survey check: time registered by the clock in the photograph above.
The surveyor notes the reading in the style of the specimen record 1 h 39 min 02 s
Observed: 3 h 24 min 29 s
